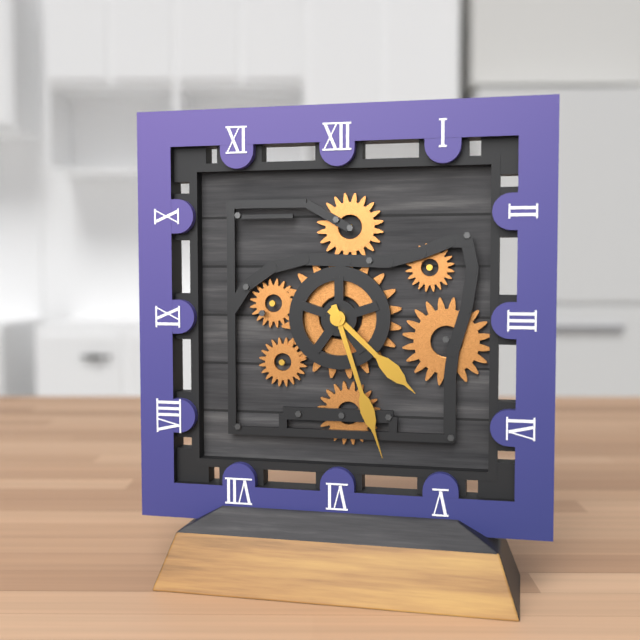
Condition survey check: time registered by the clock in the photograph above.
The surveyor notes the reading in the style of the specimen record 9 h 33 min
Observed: 4 h 27 min
